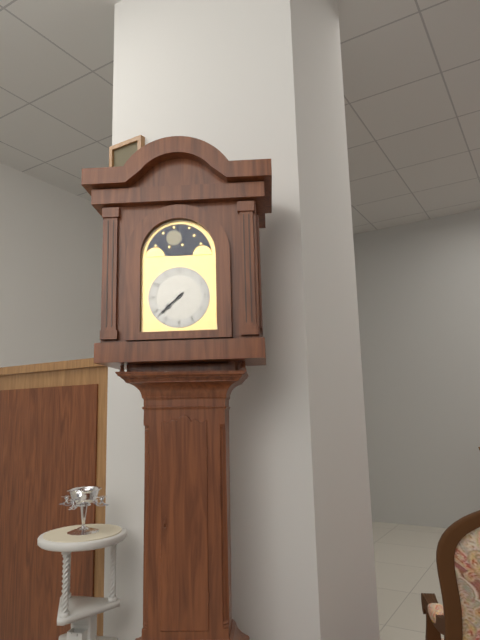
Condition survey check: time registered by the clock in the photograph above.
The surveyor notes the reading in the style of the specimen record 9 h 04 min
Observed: 7 h 38 min
